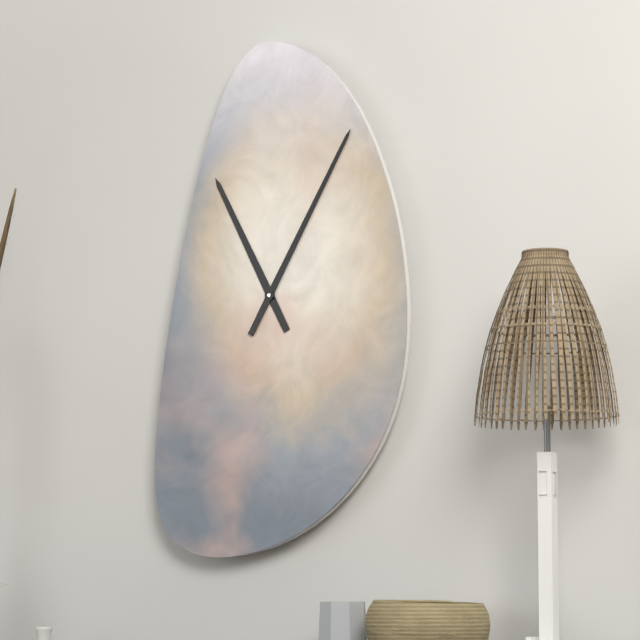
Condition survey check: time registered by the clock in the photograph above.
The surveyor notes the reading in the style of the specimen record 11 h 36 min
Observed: 11 h 05 min
